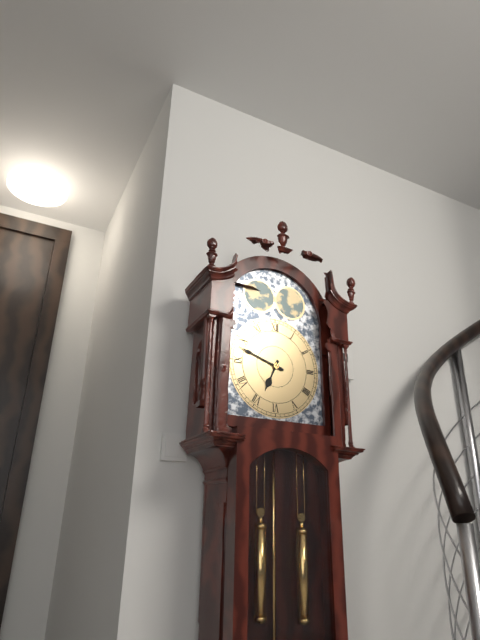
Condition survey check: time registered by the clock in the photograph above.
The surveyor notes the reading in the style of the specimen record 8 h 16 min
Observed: 6 h 48 min
